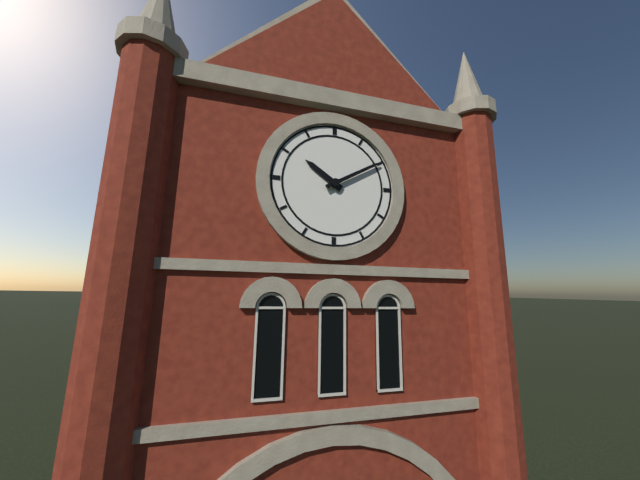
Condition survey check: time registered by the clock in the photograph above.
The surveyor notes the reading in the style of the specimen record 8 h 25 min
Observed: 10 h 10 min
